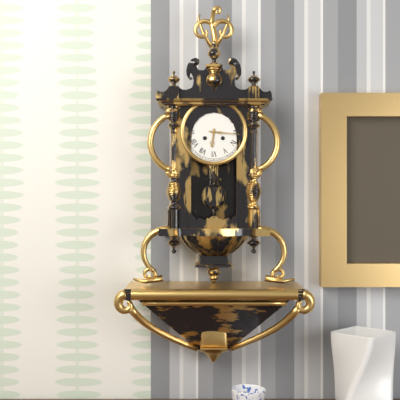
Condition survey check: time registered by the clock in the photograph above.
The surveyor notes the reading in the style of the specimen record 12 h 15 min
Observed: 6 h 16 min
